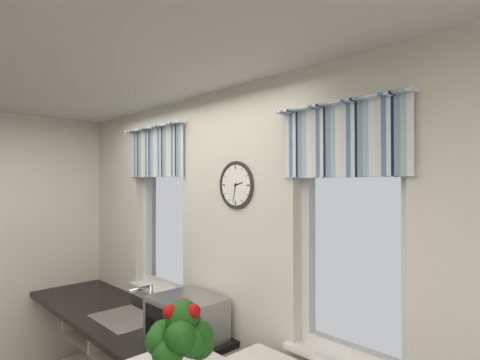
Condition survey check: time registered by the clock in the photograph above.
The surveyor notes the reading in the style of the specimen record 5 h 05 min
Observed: 2 h 32 min
